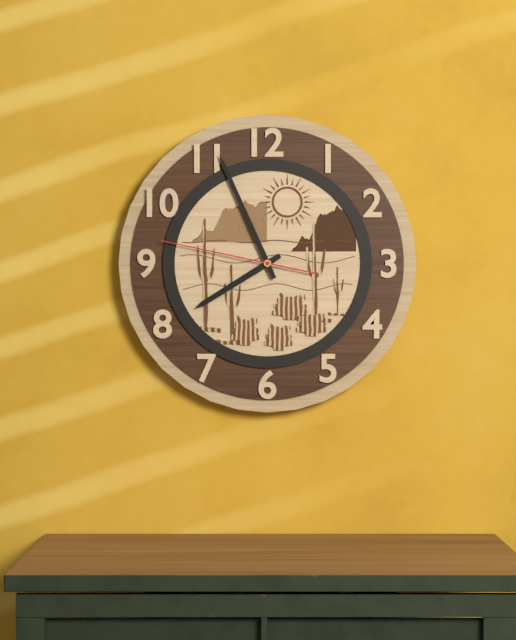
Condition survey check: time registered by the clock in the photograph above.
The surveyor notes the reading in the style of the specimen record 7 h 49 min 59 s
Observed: 7 h 56 min 47 s
